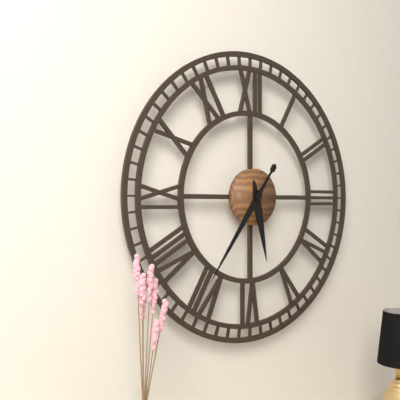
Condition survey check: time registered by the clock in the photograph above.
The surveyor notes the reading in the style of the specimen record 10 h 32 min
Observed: 5 h 36 min
